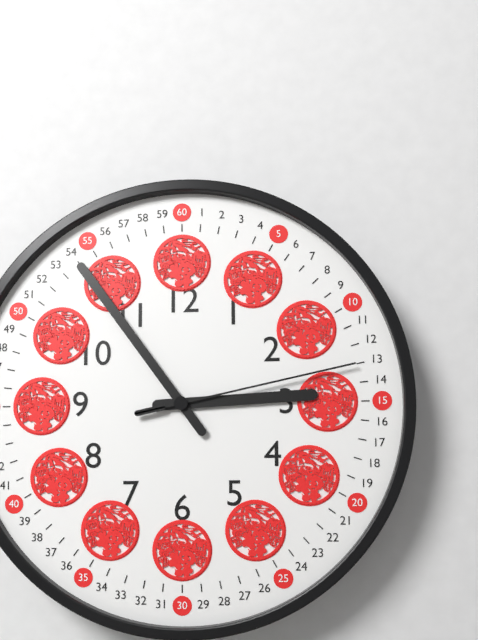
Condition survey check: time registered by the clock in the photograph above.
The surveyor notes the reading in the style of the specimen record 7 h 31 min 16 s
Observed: 2 h 54 min 13 s
